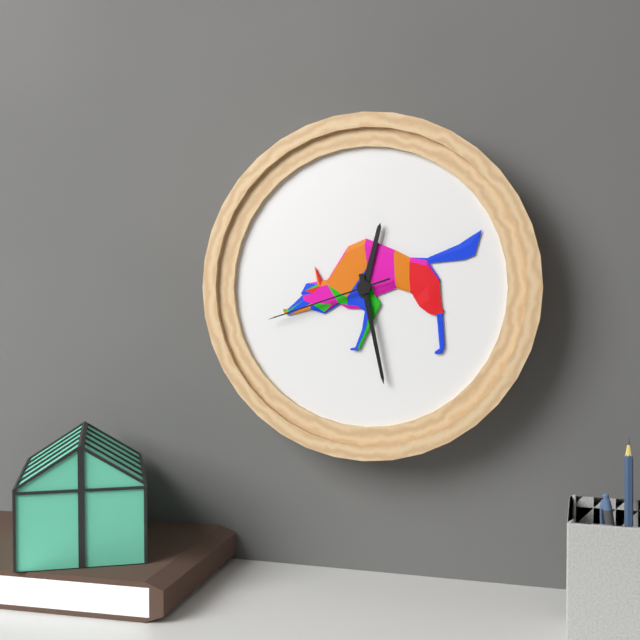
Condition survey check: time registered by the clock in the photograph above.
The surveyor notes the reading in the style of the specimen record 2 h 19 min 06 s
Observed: 12 h 28 min 42 s
